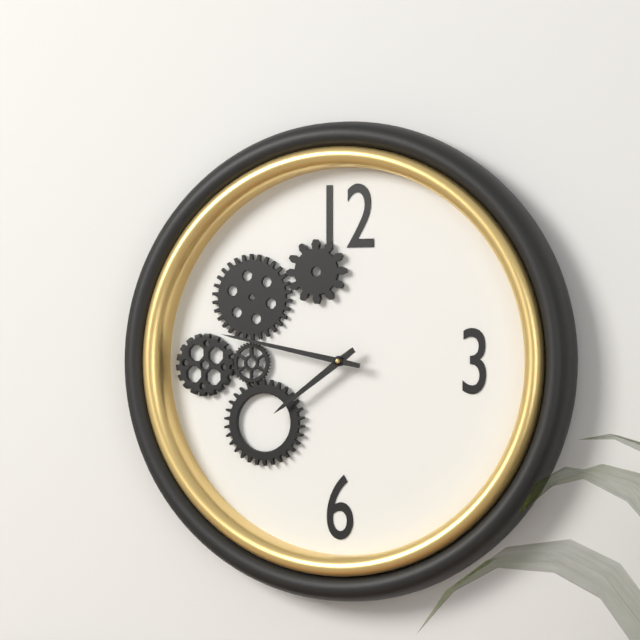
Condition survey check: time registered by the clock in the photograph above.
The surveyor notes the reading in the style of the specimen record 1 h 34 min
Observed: 7 h 47 min
